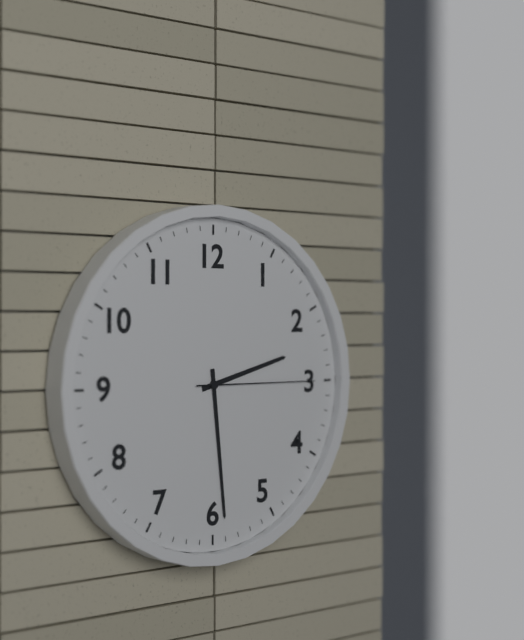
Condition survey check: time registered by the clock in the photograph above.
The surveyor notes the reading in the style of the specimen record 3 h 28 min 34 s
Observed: 2 h 29 min 15 s
